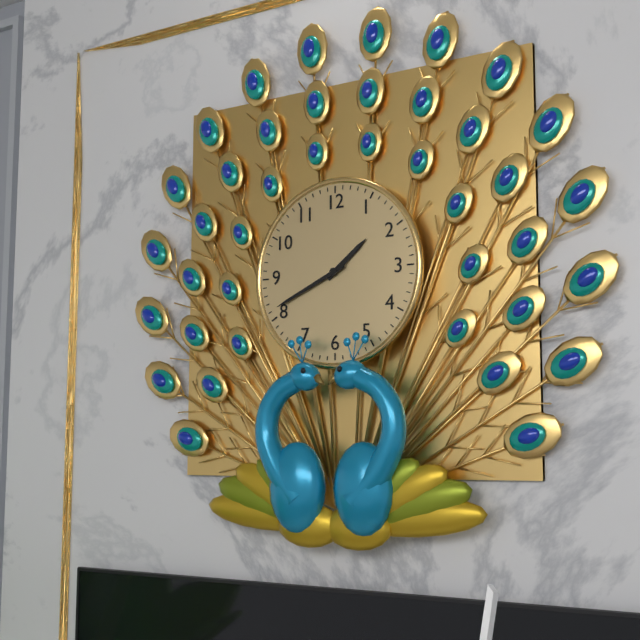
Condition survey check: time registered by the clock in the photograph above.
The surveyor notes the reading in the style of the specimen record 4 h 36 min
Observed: 1 h 41 min
